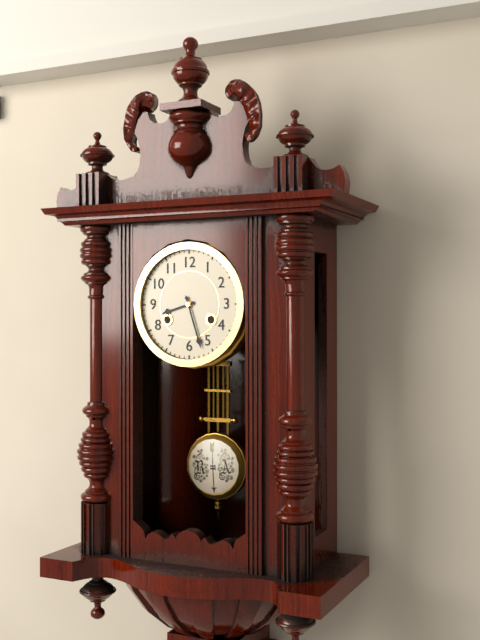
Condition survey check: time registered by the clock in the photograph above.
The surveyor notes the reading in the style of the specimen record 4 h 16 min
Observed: 8 h 27 min
